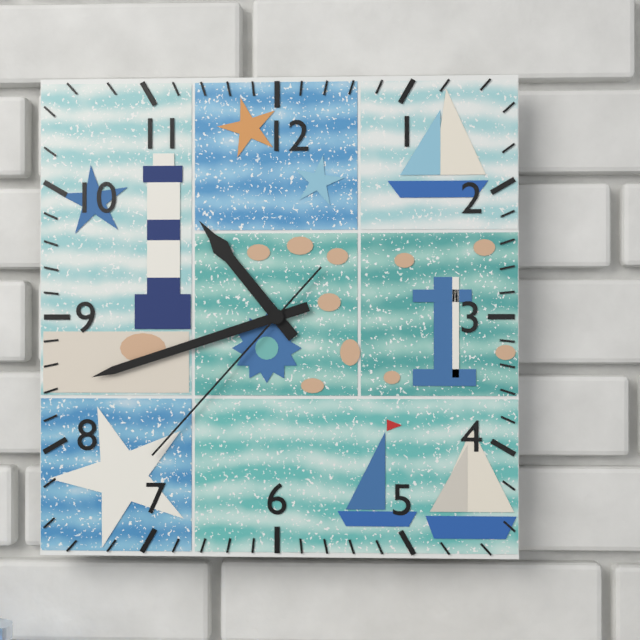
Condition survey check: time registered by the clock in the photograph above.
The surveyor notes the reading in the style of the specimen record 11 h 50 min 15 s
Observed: 10 h 42 min 37 s
